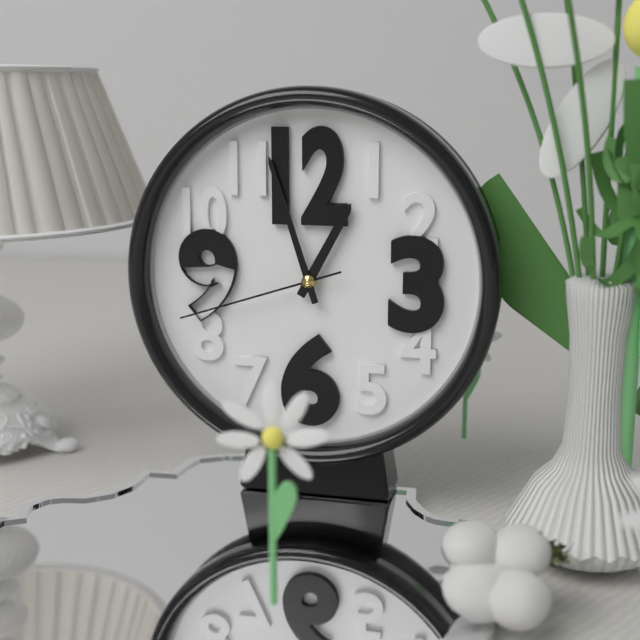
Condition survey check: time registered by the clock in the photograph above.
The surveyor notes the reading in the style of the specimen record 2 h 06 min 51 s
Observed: 12 h 57 min 42 s
